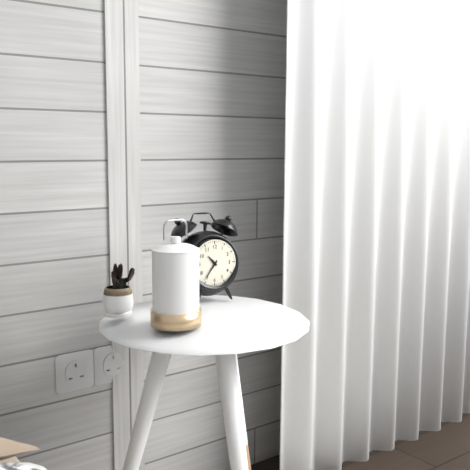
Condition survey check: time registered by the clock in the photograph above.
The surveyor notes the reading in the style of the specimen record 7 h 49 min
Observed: 10 h 36 min
